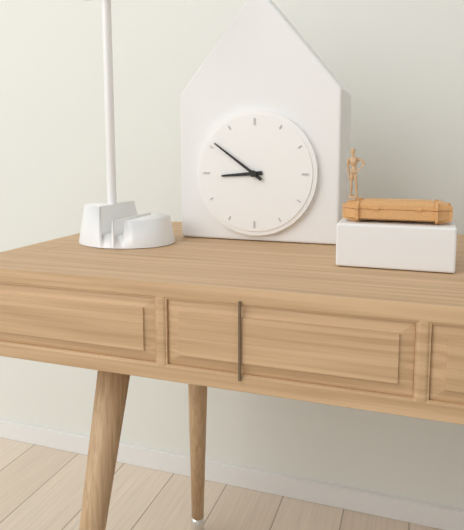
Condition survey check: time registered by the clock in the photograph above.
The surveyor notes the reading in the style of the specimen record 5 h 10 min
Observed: 8 h 51 min
